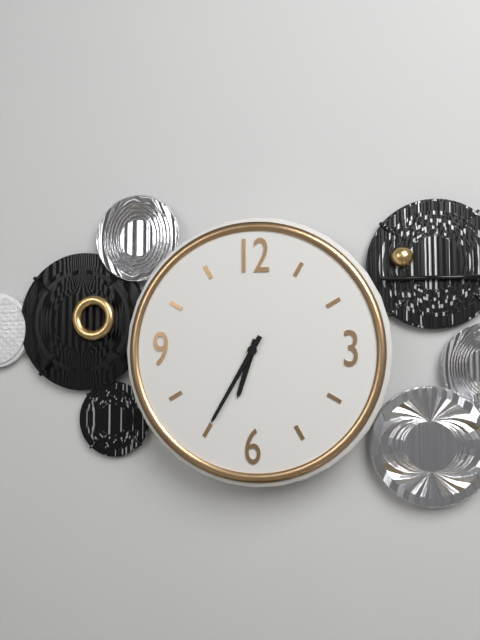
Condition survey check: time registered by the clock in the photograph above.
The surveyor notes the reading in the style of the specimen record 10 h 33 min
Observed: 6 h 35 min
